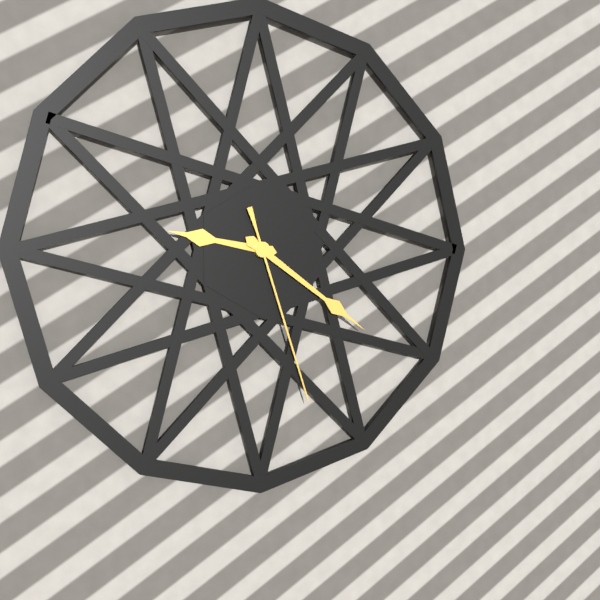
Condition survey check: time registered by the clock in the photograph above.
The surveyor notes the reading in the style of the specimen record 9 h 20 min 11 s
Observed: 9 h 21 min 27 s
